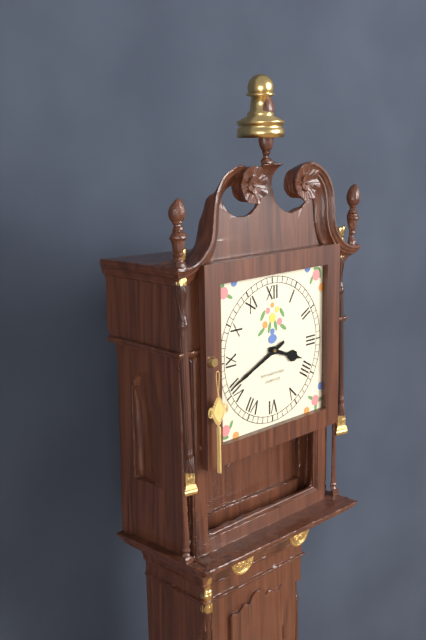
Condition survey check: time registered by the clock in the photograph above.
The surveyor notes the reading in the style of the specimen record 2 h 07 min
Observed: 3 h 41 min
